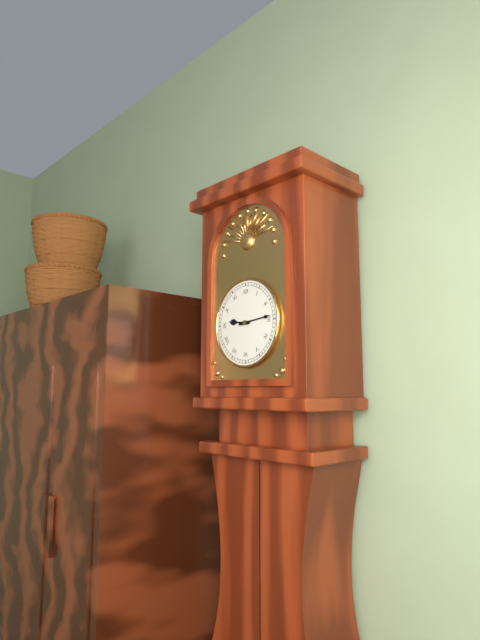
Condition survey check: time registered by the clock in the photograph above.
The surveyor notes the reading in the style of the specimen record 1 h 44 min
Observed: 9 h 14 min
